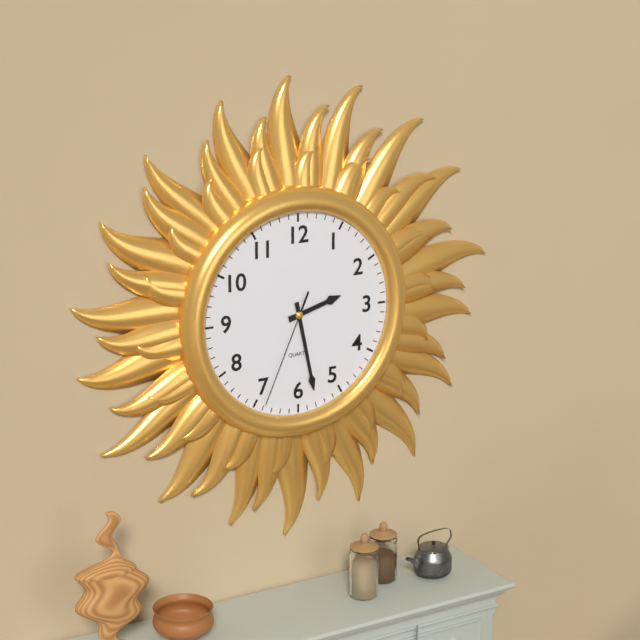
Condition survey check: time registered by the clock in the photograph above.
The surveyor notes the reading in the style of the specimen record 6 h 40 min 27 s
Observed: 2 h 28 min 34 s
